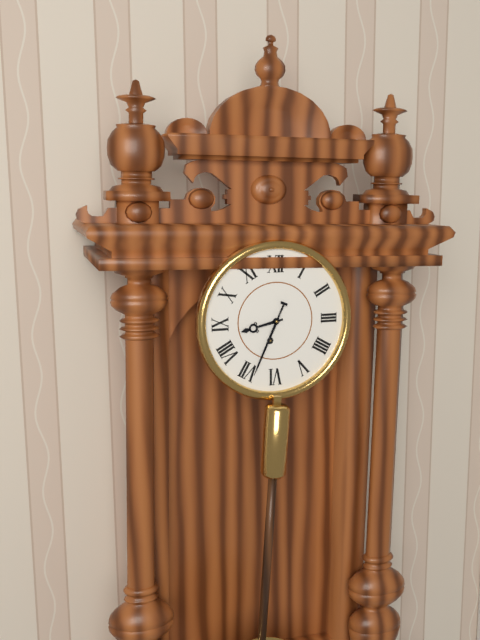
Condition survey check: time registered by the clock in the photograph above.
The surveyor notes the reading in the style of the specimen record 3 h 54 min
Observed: 8 h 34 min
